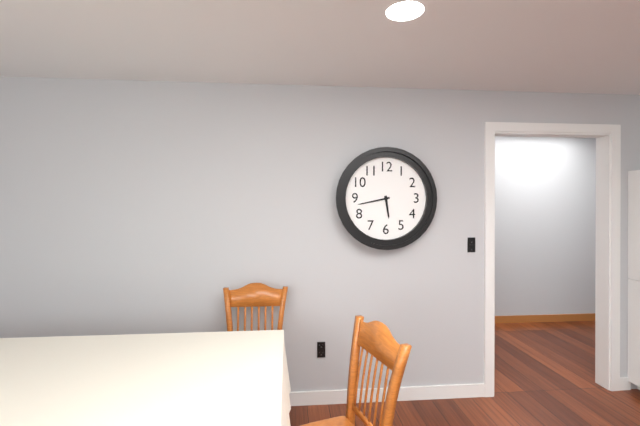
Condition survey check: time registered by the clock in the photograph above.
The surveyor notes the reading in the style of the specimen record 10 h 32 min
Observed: 5 h 43 min
